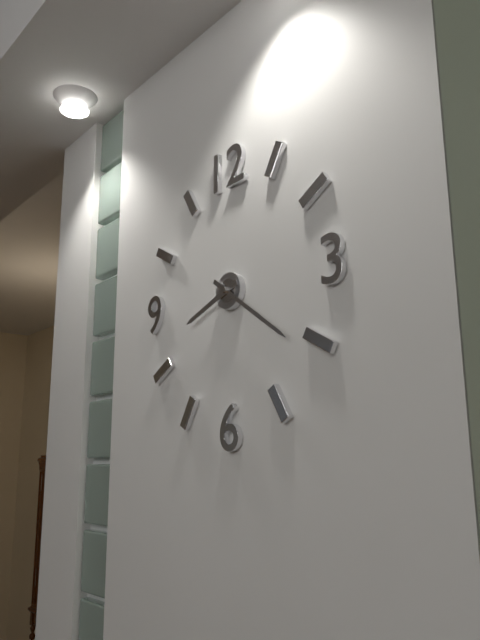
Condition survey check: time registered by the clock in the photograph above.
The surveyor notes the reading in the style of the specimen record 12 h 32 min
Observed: 8 h 21 min
